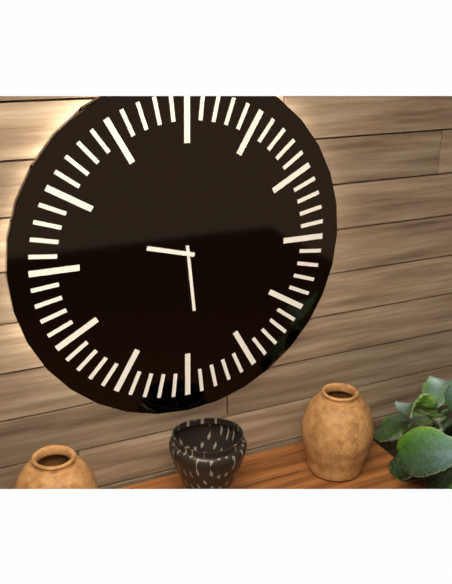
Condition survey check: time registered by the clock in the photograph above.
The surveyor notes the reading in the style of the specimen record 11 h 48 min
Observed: 9 h 29 min
